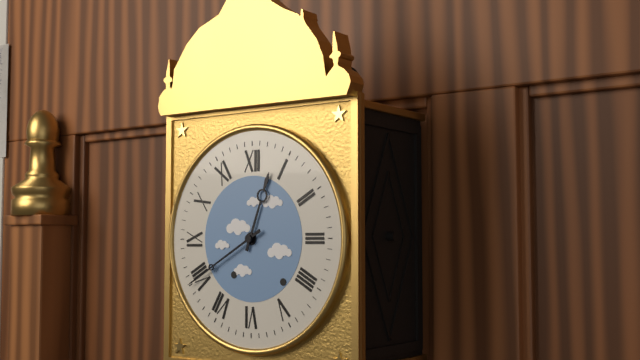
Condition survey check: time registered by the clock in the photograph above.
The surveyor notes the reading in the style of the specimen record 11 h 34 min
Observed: 12 h 40 min
